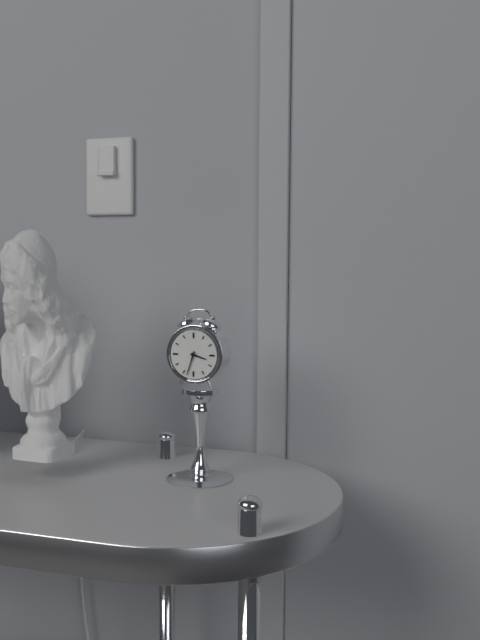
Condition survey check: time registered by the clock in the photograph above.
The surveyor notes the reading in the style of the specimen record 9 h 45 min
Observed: 3 h 33 min
